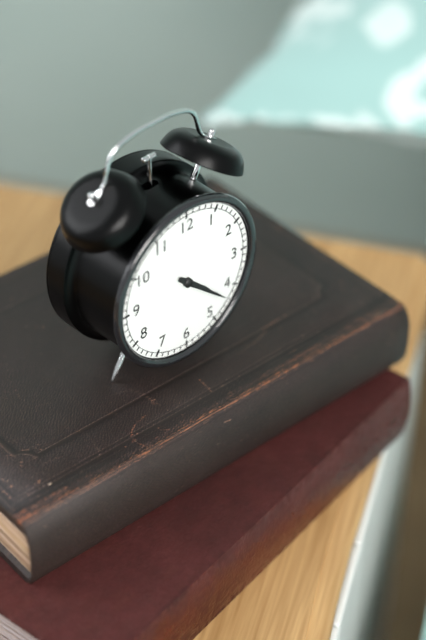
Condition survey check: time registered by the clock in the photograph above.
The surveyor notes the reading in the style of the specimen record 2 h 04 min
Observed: 4 h 22 min
